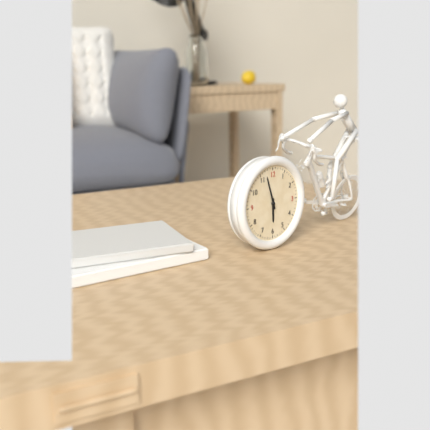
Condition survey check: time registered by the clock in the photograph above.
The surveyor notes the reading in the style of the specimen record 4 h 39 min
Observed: 5 h 57 min
